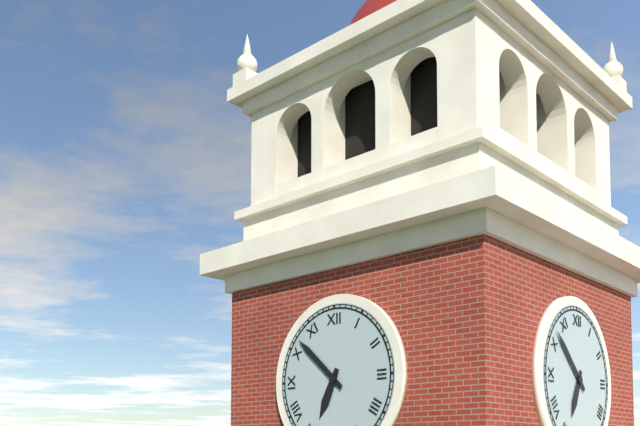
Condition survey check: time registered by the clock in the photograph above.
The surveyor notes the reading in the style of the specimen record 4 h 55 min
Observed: 6 h 52 min
